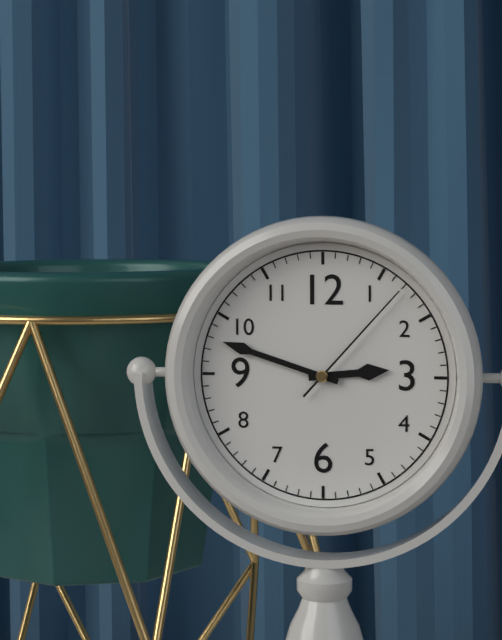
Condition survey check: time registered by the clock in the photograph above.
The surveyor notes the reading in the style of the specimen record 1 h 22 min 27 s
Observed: 2 h 48 min 07 s
